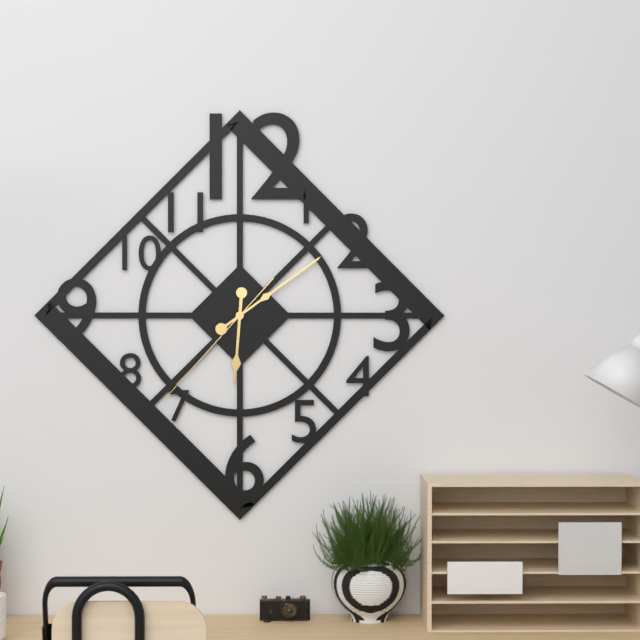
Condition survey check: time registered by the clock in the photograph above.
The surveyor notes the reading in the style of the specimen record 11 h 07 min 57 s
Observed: 6 h 09 min 37 s
